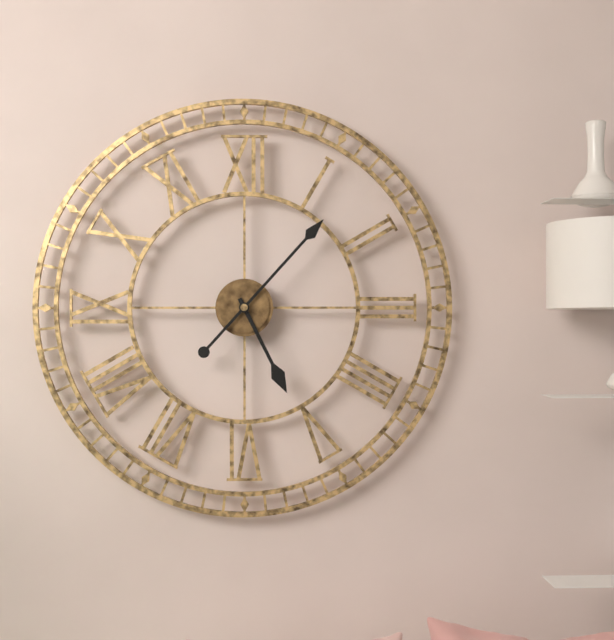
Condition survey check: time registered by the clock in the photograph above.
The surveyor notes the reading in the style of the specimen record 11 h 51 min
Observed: 5 h 07 min
